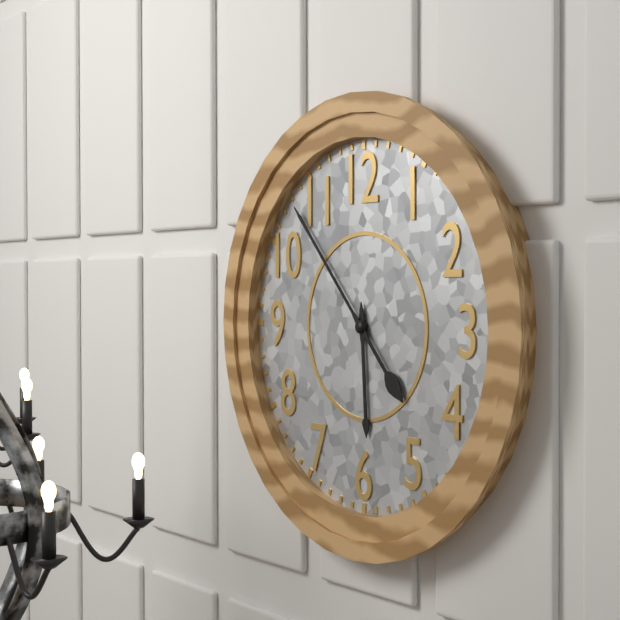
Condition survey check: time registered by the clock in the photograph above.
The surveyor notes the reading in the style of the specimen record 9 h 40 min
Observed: 5 h 53 min
